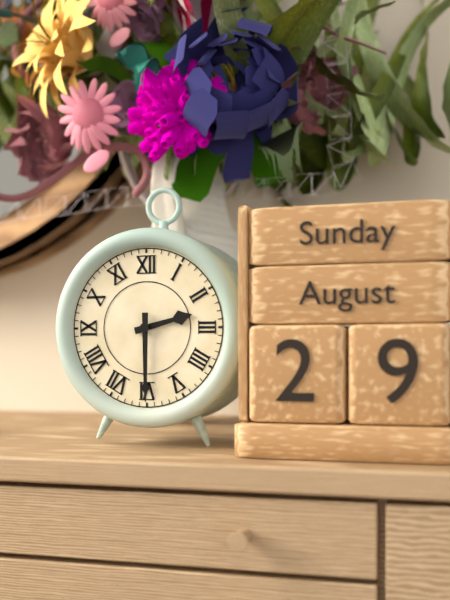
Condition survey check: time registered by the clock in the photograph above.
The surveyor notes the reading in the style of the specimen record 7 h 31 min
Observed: 2 h 30 min
